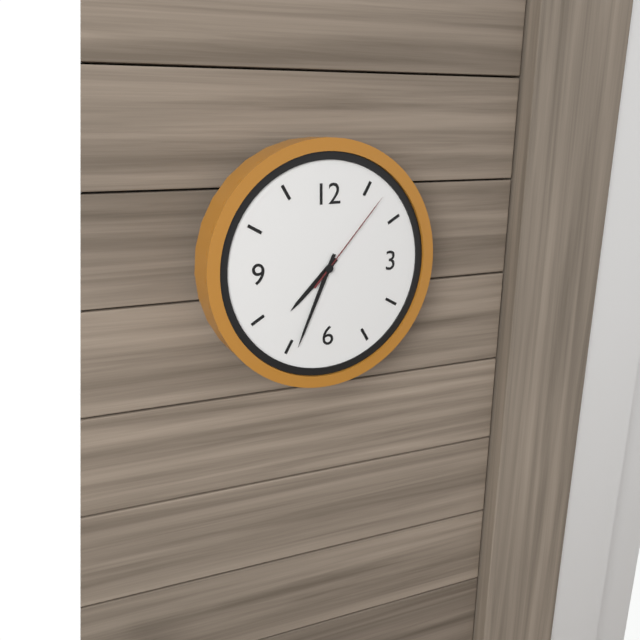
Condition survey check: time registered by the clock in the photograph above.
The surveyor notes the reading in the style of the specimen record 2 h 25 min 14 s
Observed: 7 h 34 min 07 s
